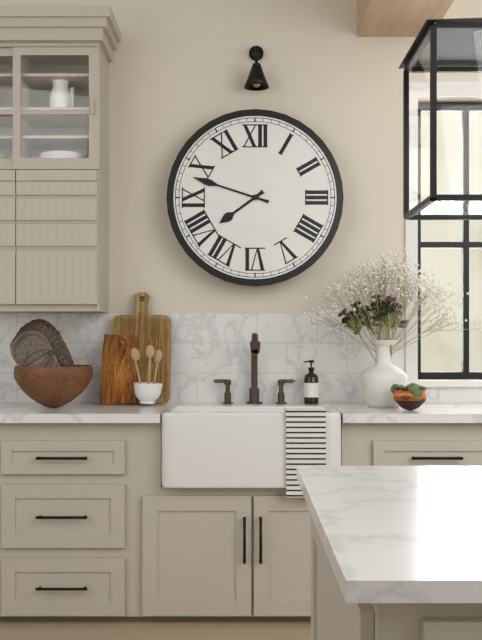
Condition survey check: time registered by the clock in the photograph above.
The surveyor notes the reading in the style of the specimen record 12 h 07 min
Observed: 7 h 48 min
